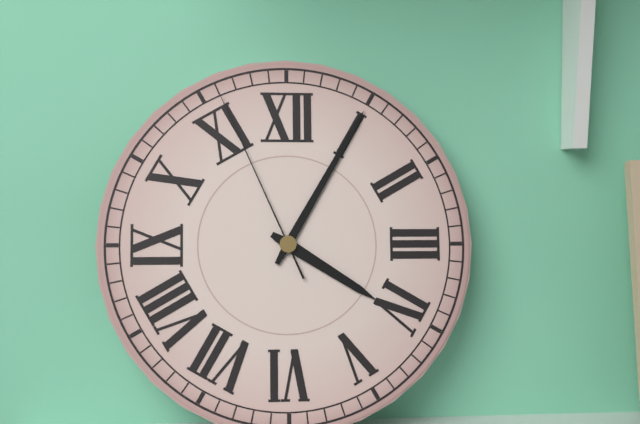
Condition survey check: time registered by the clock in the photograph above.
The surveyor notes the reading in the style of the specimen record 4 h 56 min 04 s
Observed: 4 h 05 min 56 s
